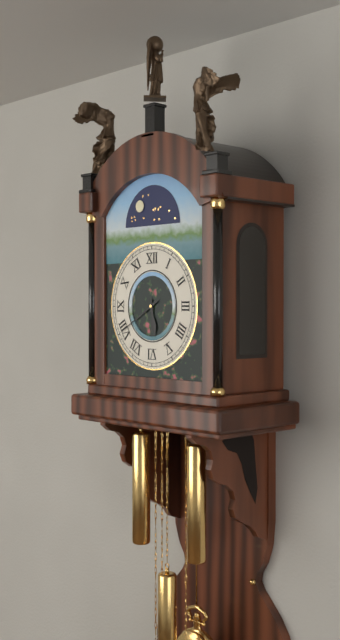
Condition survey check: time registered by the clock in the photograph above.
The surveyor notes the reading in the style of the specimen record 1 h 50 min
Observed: 5 h 40 min
